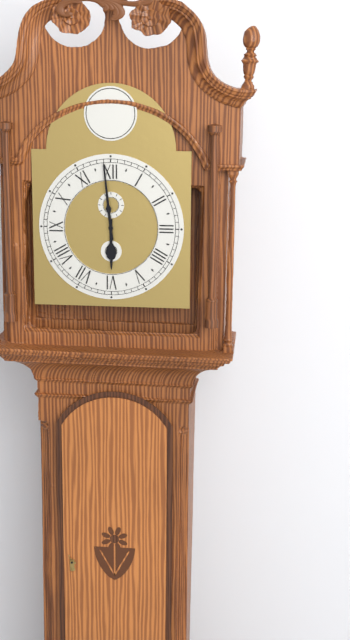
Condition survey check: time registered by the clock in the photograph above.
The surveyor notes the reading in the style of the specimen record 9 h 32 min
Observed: 5 h 59 min
